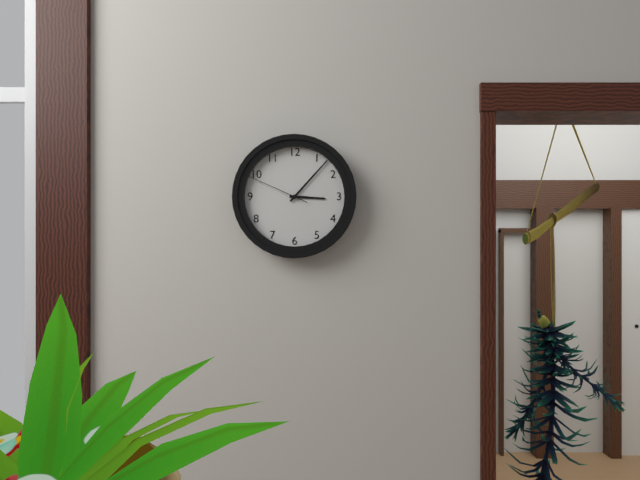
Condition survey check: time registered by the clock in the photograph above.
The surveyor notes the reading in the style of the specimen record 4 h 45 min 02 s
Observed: 3 h 07 min 49 s
